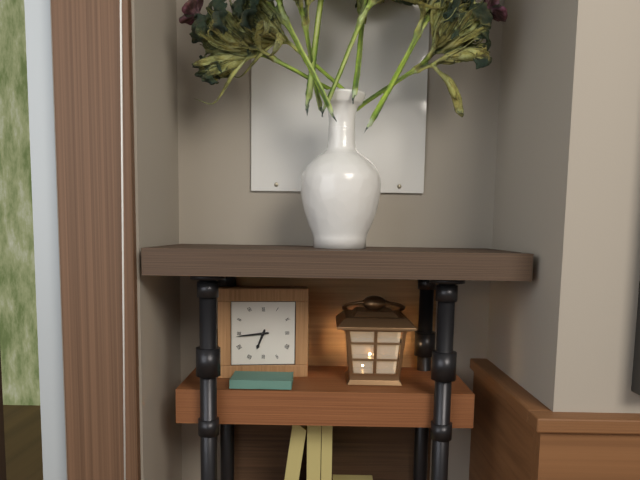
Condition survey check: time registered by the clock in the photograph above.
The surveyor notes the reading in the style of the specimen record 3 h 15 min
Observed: 6 h 44 min
